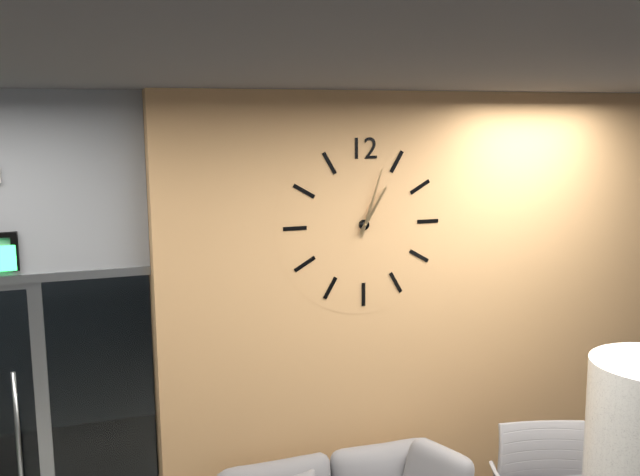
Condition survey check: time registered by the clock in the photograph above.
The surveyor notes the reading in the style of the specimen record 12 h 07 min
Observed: 1 h 03 min
